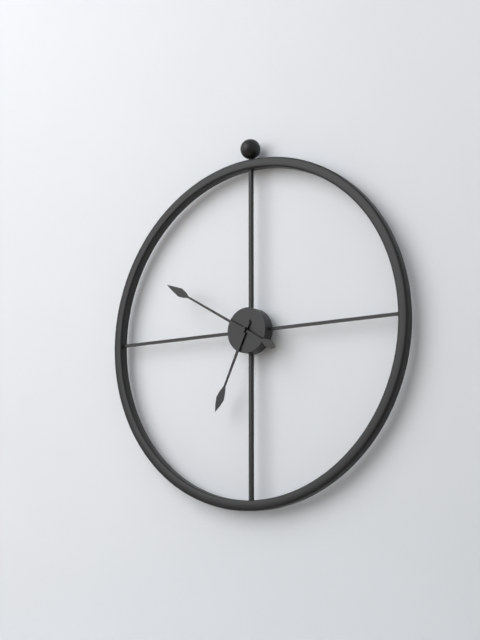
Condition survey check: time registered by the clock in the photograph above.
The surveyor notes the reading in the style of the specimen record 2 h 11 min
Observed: 6 h 50 min
